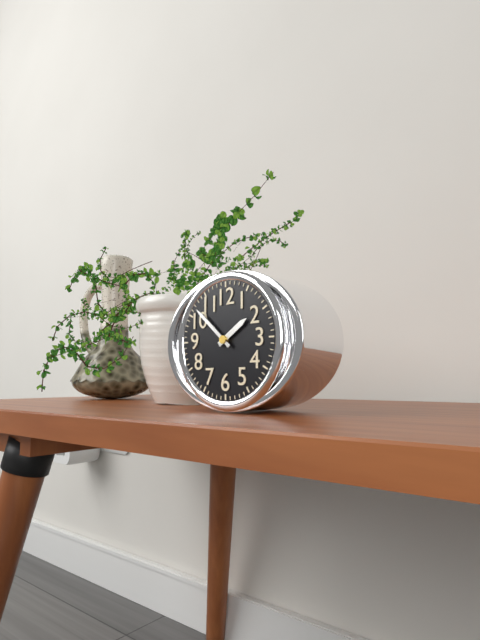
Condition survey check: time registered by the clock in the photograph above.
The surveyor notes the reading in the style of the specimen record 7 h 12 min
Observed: 1 h 52 min
